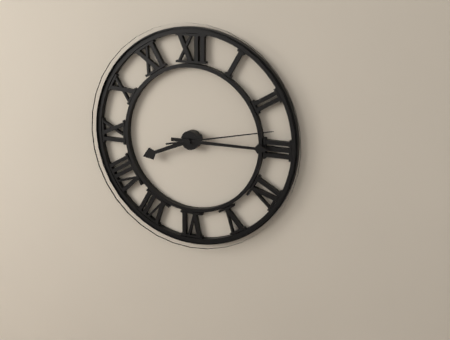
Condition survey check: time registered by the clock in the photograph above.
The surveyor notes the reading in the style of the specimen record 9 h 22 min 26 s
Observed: 8 h 15 min 13 s
